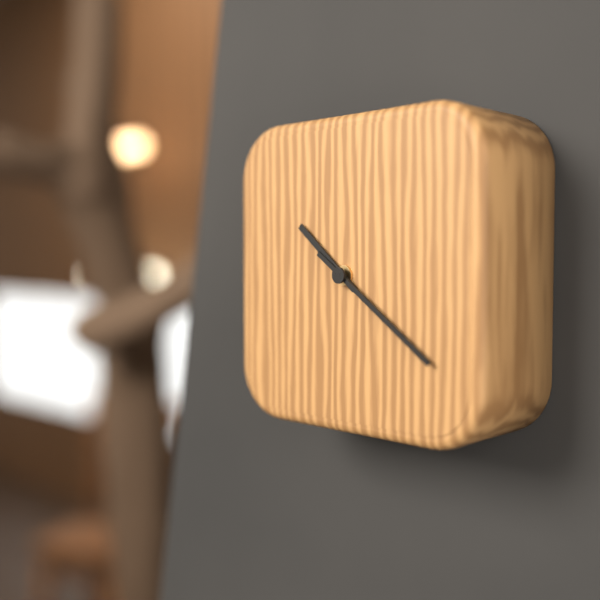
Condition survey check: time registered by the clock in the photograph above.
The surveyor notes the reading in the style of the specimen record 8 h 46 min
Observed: 10 h 21 min
